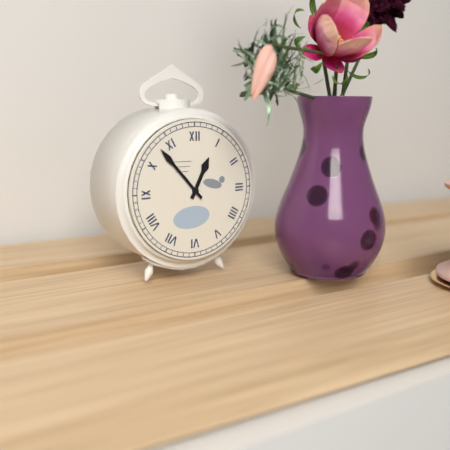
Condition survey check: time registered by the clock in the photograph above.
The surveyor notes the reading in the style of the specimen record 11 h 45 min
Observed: 12 h 53 min
